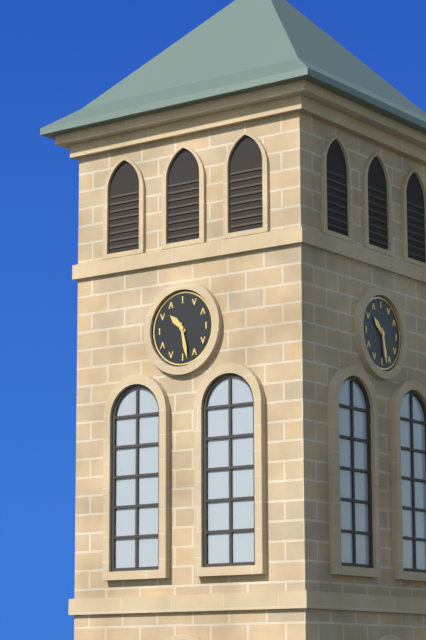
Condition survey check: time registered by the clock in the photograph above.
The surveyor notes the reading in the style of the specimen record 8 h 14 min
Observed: 10 h 28 min
